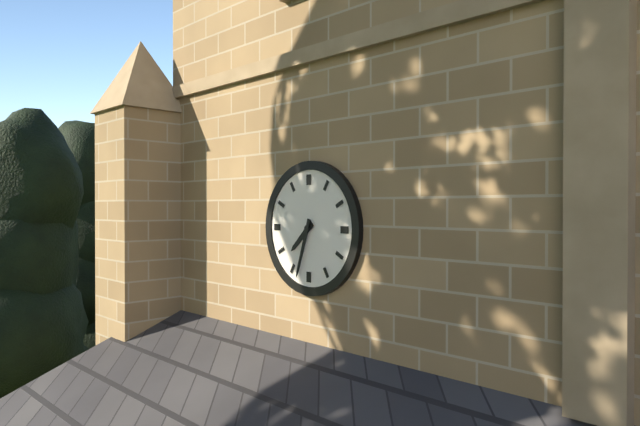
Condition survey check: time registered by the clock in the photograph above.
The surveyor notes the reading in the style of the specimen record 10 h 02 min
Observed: 7 h 33 min
